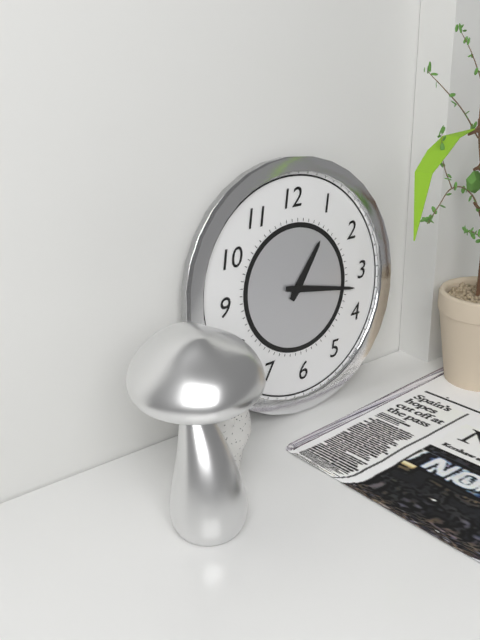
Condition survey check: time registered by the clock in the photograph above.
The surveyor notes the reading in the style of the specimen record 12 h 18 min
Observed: 1 h 17 min
